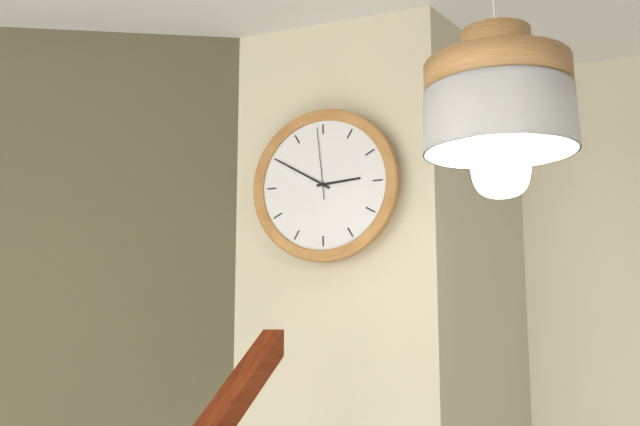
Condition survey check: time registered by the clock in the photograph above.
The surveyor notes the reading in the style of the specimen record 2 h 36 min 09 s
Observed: 2 h 50 min 59 s
